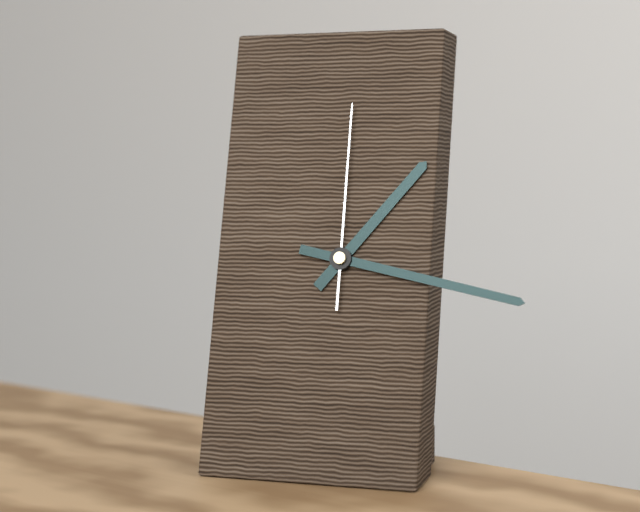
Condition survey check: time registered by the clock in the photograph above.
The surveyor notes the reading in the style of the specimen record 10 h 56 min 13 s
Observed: 1 h 17 min 00 s
